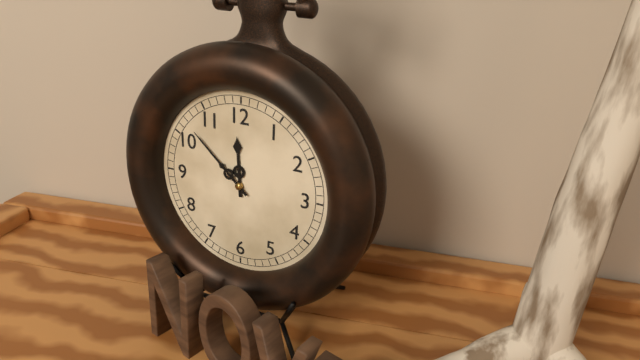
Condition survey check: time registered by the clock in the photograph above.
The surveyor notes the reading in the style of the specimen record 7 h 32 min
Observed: 11 h 52 min
